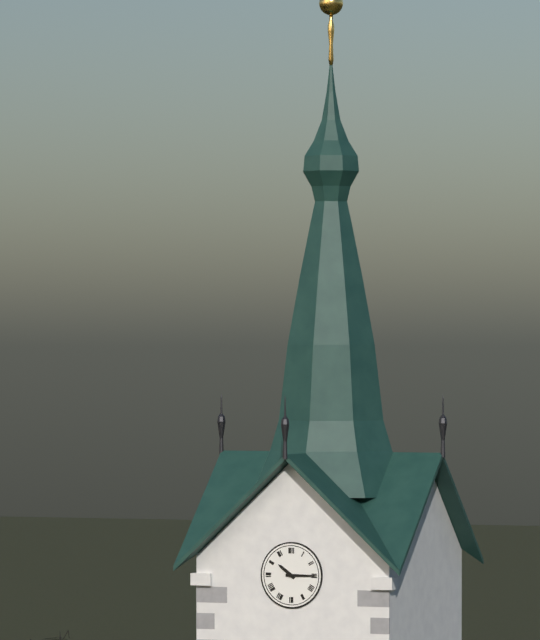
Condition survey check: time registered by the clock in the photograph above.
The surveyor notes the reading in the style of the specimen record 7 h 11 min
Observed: 10 h 15 min
